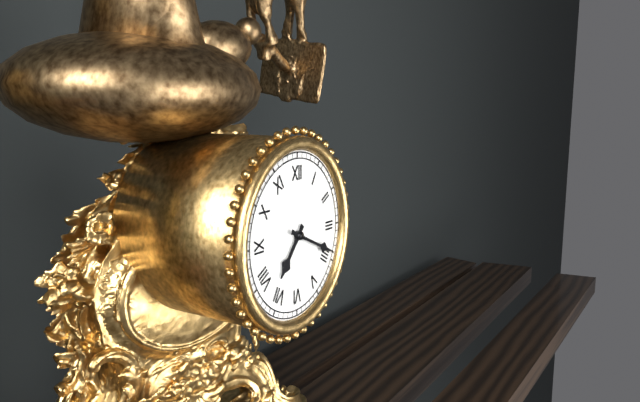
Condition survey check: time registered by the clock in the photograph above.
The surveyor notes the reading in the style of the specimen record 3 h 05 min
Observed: 7 h 19 min
